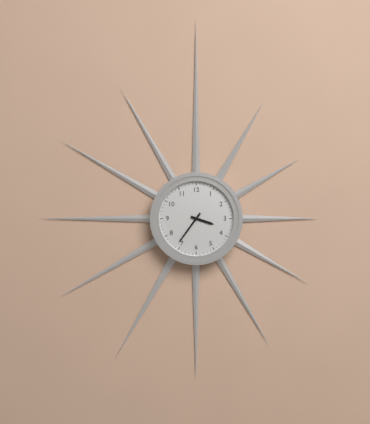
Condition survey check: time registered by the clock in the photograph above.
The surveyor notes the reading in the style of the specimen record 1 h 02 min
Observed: 3 h 36 min
